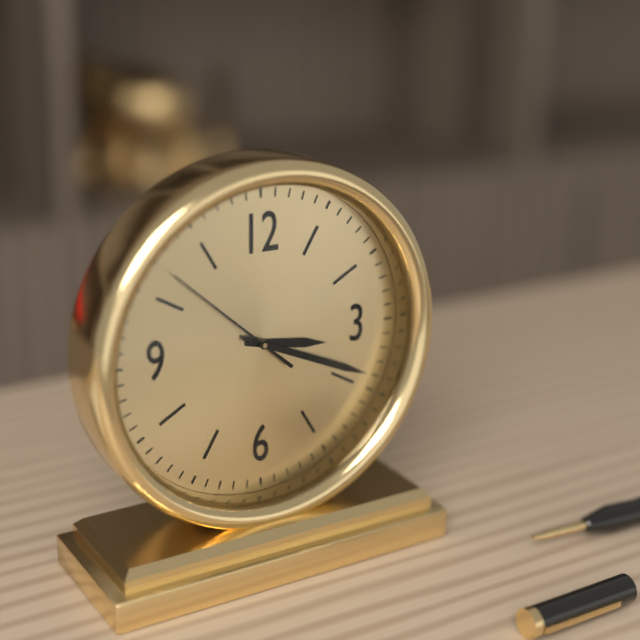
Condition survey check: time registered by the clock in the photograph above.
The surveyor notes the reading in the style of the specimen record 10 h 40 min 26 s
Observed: 3 h 19 min 52 s
